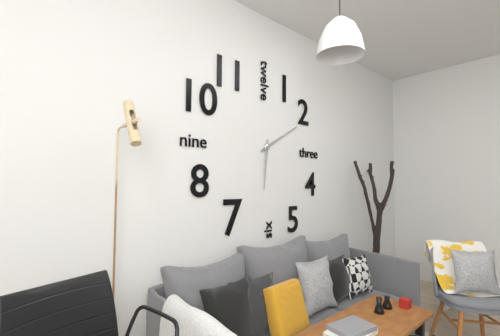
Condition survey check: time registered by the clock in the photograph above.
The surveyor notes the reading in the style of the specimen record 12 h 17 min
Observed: 6 h 10 min
